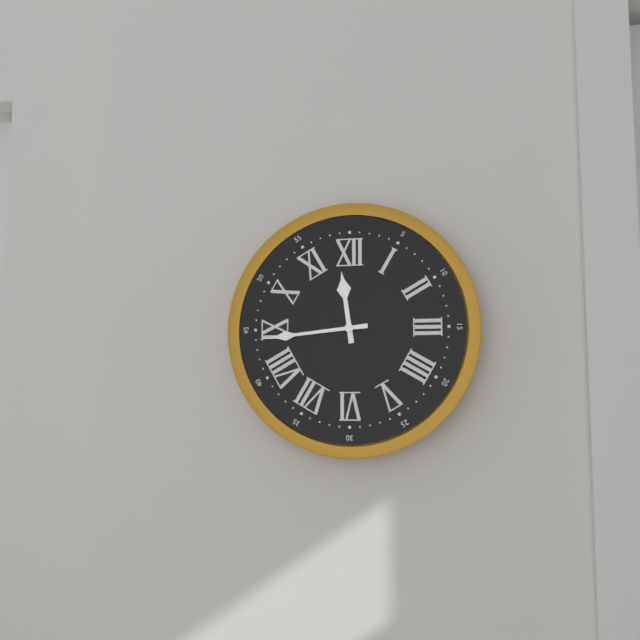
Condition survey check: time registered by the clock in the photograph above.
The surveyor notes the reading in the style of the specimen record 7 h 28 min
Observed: 11 h 44 min
